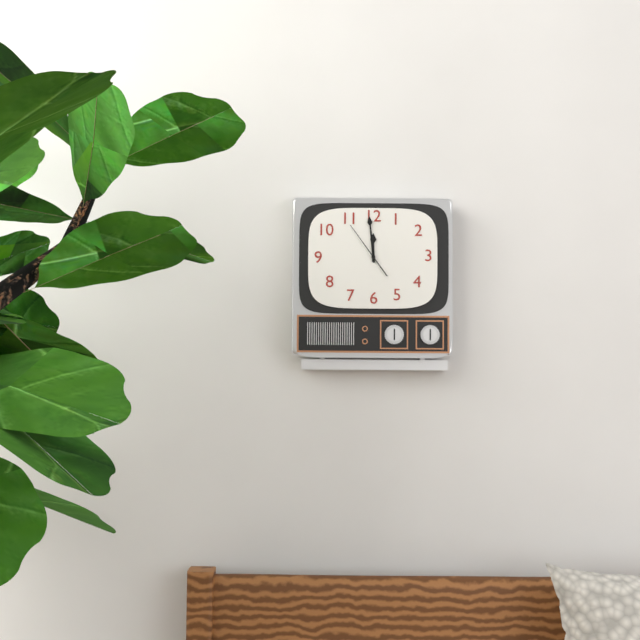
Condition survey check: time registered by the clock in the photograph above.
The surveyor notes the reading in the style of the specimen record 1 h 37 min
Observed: 11 h 59 min
